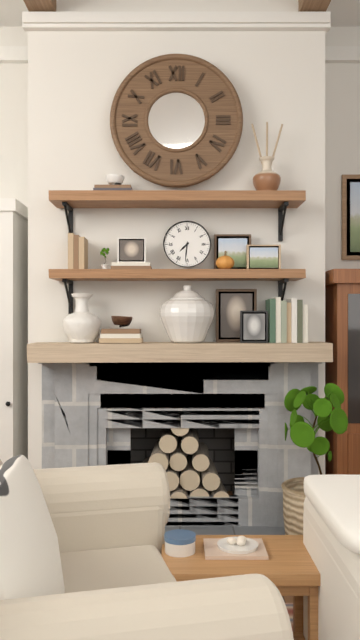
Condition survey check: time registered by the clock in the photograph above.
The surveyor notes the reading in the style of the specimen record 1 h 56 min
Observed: 7 h 31 min
